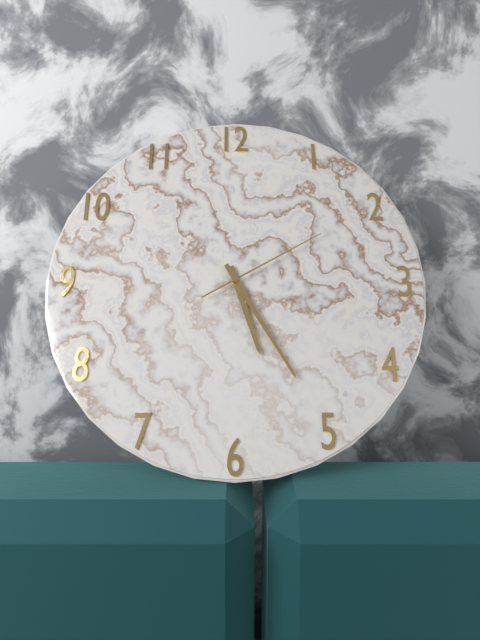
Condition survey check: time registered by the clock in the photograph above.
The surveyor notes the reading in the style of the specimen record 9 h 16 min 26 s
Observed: 5 h 25 min 10 s
